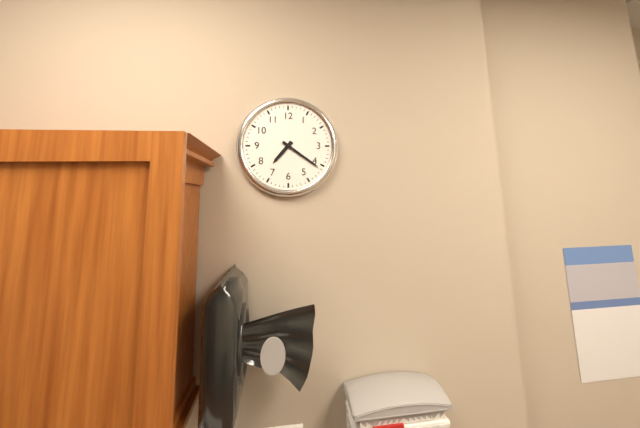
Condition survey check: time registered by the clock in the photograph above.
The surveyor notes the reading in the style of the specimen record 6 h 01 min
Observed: 7 h 21 min
